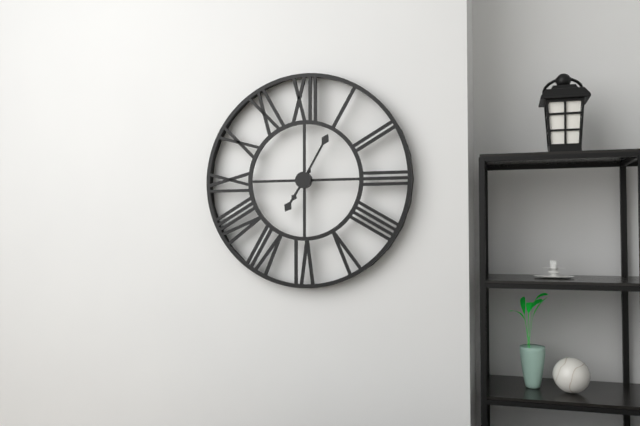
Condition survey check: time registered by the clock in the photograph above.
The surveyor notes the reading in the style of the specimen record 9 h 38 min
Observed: 7 h 05 min
